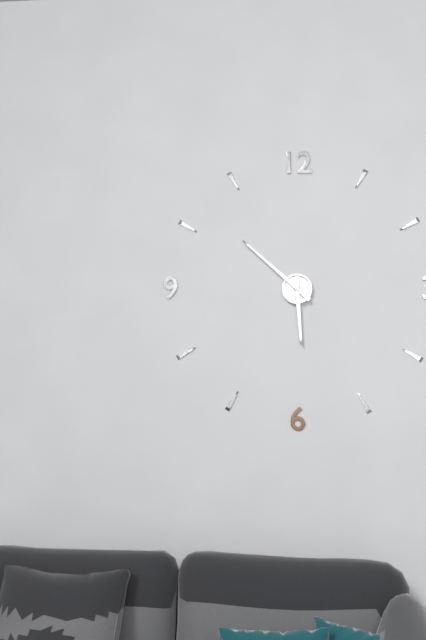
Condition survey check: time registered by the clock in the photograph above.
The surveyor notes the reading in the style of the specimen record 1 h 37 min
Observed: 5 h 52 min
